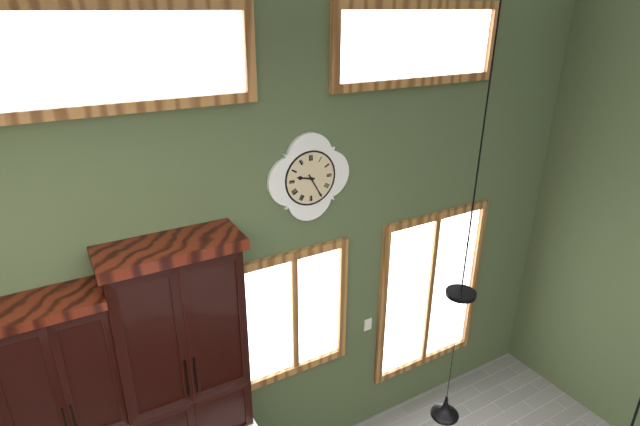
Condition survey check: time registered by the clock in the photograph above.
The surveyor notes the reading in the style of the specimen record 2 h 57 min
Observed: 9 h 25 min
